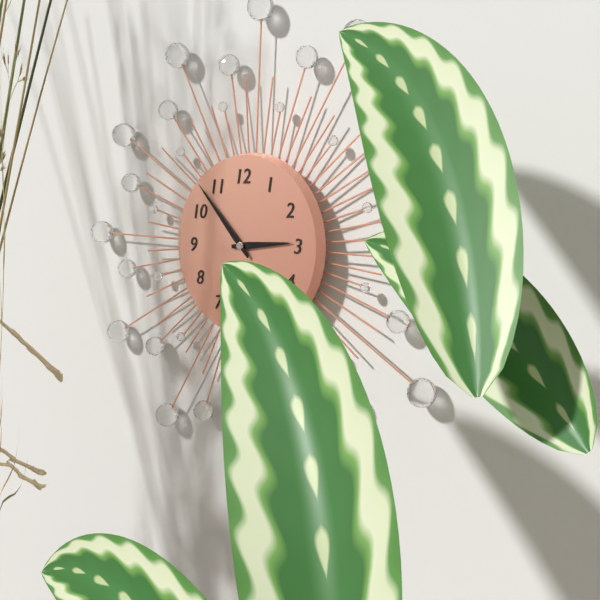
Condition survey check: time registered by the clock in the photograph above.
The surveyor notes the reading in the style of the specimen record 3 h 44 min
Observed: 2 h 53 min
